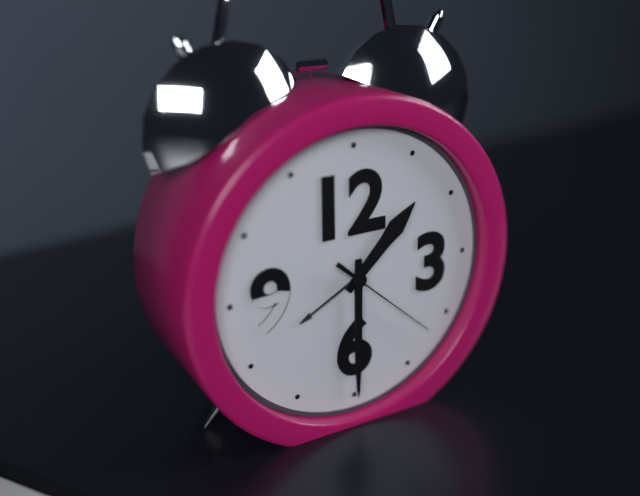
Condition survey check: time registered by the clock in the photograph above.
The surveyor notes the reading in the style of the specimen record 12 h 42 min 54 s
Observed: 1 h 30 min 22 s
